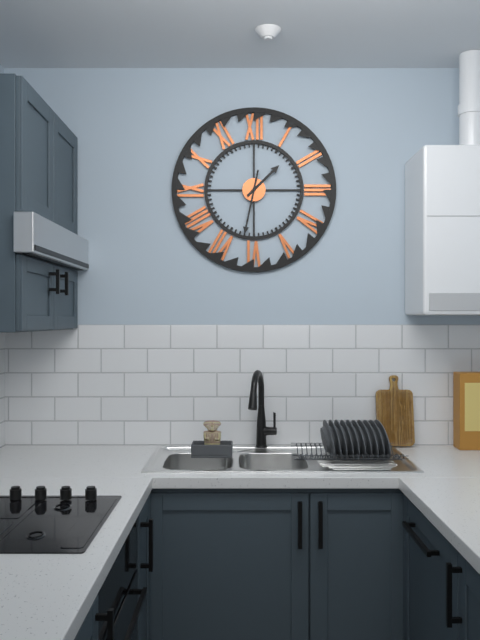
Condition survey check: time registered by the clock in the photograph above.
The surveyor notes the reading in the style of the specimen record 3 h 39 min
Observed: 1 h 32 min
